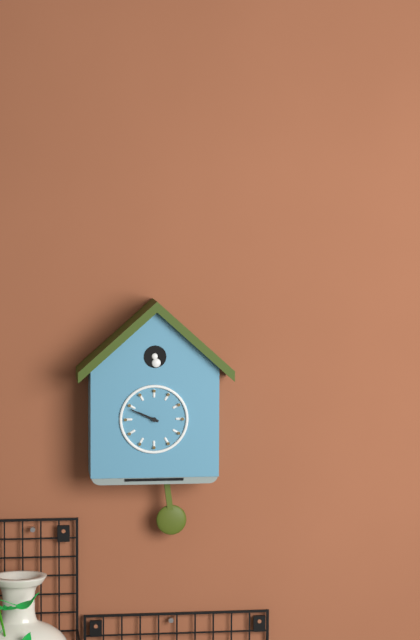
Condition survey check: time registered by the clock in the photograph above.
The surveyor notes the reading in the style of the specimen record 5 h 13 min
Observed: 9 h 49 min
